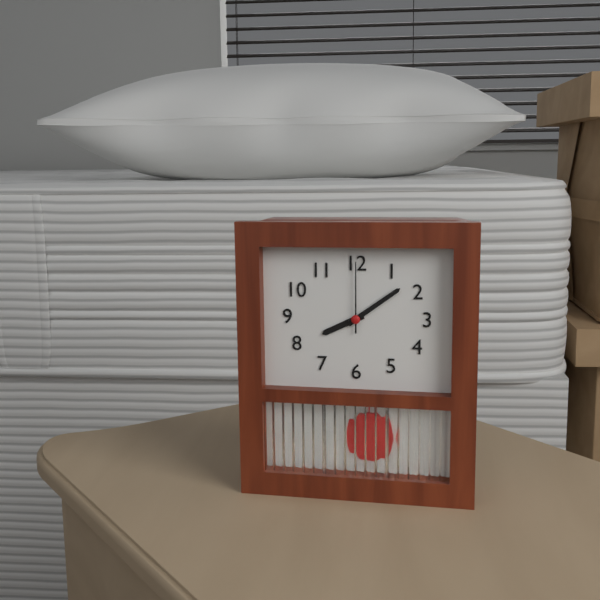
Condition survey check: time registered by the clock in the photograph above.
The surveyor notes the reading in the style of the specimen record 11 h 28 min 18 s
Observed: 8 h 09 min 00 s
